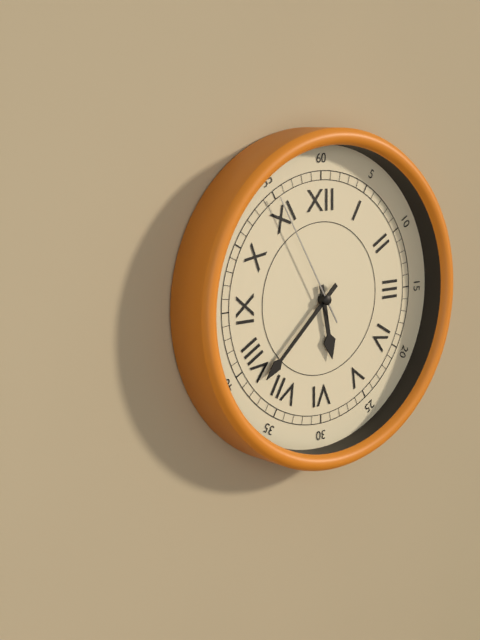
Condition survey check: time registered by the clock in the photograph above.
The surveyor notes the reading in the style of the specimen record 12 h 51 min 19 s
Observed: 5 h 38 min 55 s
